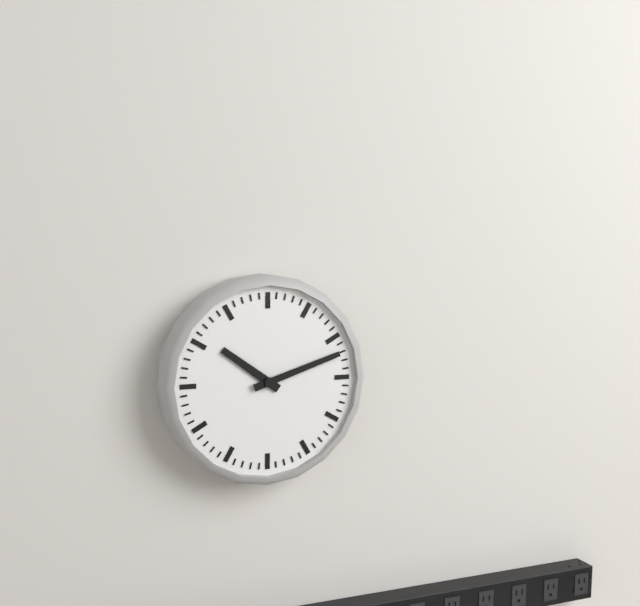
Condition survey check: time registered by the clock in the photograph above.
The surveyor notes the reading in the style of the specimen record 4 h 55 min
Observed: 10 h 12 min
